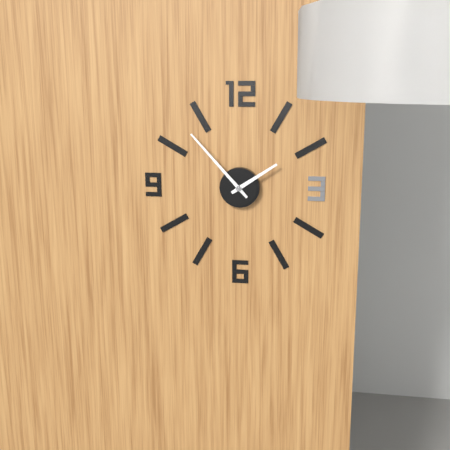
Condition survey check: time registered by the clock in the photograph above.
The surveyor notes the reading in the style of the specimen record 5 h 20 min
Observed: 1 h 53 min
